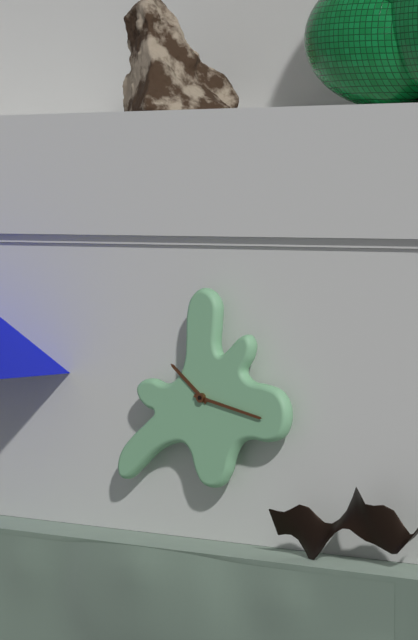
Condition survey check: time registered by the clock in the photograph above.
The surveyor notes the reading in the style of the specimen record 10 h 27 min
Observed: 10 h 17 min
